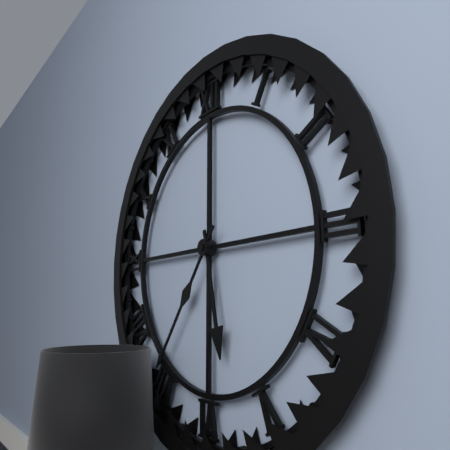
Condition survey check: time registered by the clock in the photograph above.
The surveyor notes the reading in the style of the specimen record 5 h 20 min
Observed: 5 h 36 min
